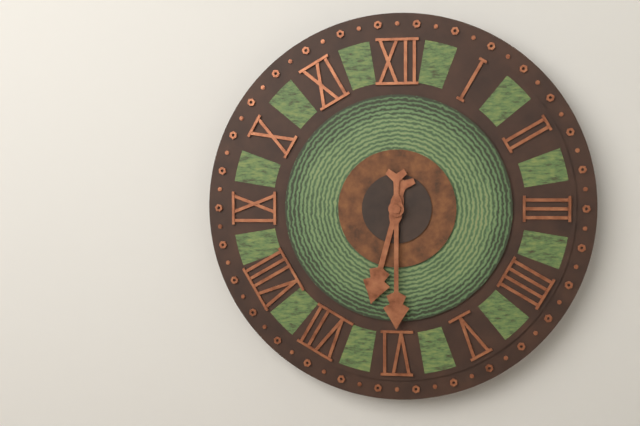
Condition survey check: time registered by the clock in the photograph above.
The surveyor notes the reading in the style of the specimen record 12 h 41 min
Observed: 6 h 30 min
